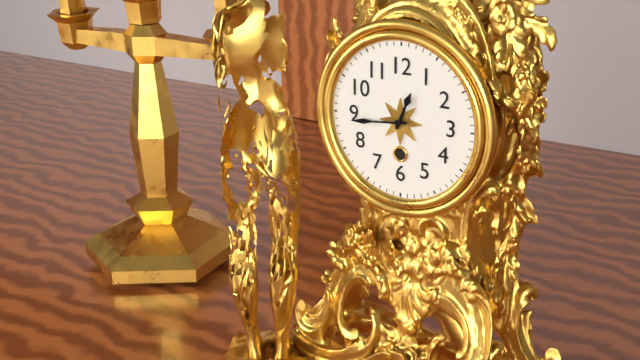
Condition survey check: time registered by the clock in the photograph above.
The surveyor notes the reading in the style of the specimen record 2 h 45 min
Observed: 12 h 44 min
